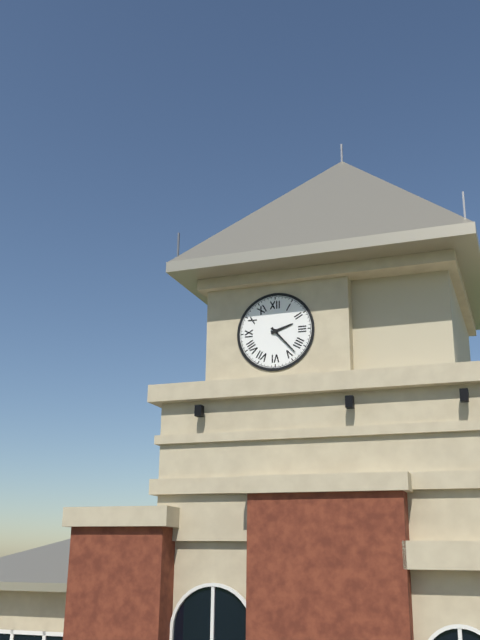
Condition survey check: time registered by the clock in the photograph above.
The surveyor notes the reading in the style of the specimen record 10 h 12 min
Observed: 2 h 23 min
